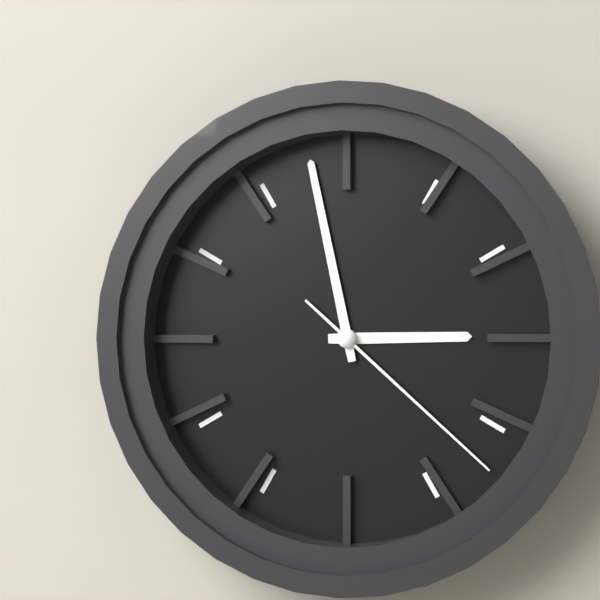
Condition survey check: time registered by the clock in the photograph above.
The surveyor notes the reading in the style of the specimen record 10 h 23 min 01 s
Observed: 2 h 58 min 22 s
